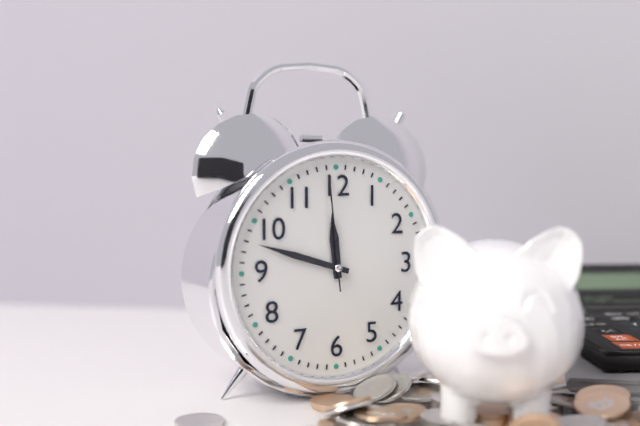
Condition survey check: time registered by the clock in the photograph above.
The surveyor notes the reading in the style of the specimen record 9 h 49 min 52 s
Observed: 11 h 48 min 59 s
